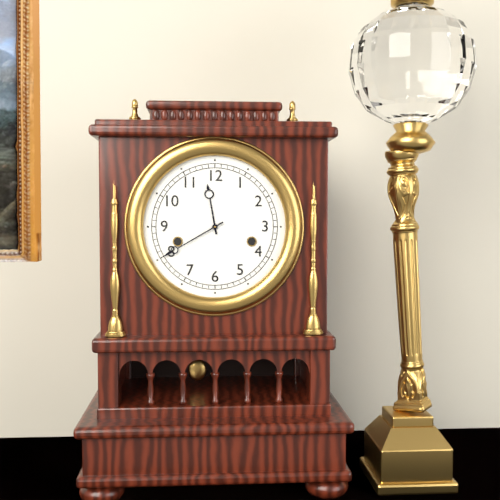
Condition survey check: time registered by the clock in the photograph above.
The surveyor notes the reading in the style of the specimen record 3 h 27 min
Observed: 11 h 40 min
